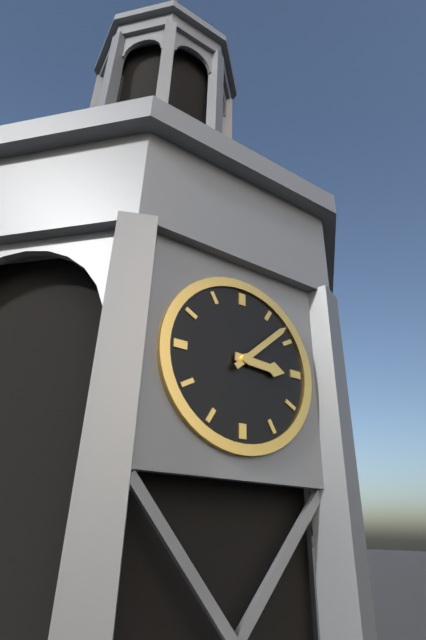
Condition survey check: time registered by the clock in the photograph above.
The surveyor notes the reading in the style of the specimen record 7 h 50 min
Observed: 3 h 08 min
